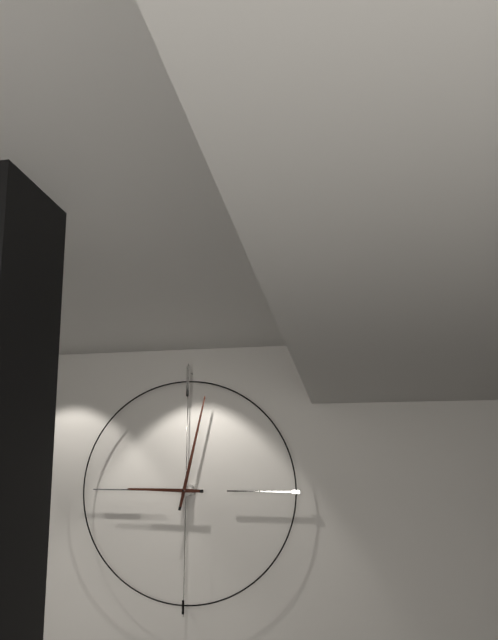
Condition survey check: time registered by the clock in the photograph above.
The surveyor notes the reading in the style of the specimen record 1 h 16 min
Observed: 9 h 02 min
